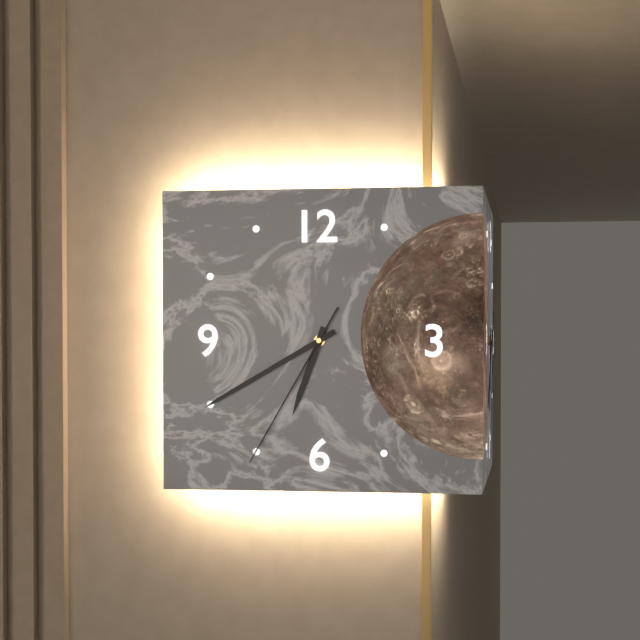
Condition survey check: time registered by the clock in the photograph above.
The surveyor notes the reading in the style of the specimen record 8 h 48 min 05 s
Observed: 6 h 40 min 35 s
